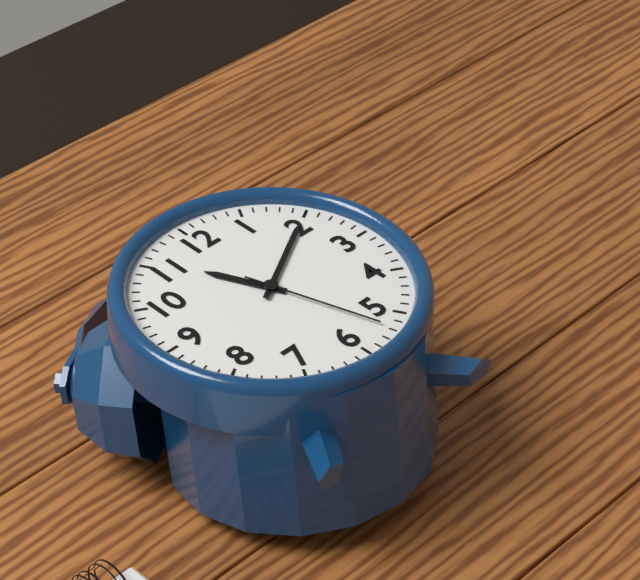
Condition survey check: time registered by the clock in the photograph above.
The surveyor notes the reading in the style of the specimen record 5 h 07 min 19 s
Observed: 11 h 10 min 27 s
